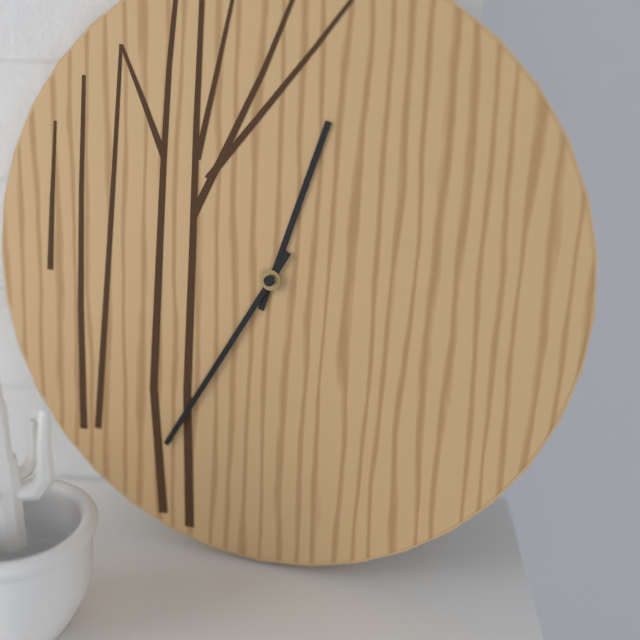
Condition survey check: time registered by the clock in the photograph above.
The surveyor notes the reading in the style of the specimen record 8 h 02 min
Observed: 12 h 35 min
